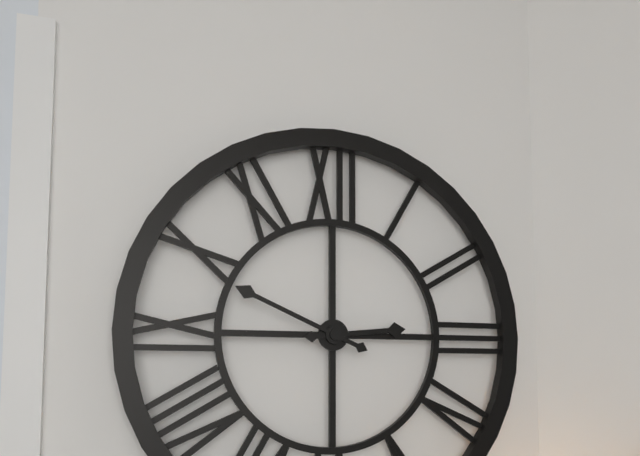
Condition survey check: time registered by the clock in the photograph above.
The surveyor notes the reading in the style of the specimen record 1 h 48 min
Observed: 2 h 49 min
